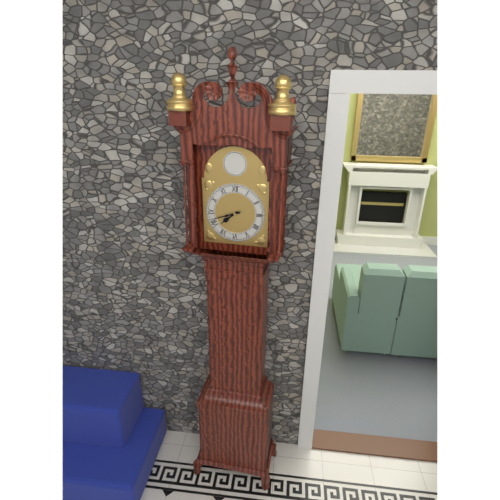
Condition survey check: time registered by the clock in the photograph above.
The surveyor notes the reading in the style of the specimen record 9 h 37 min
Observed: 7 h 42 min
